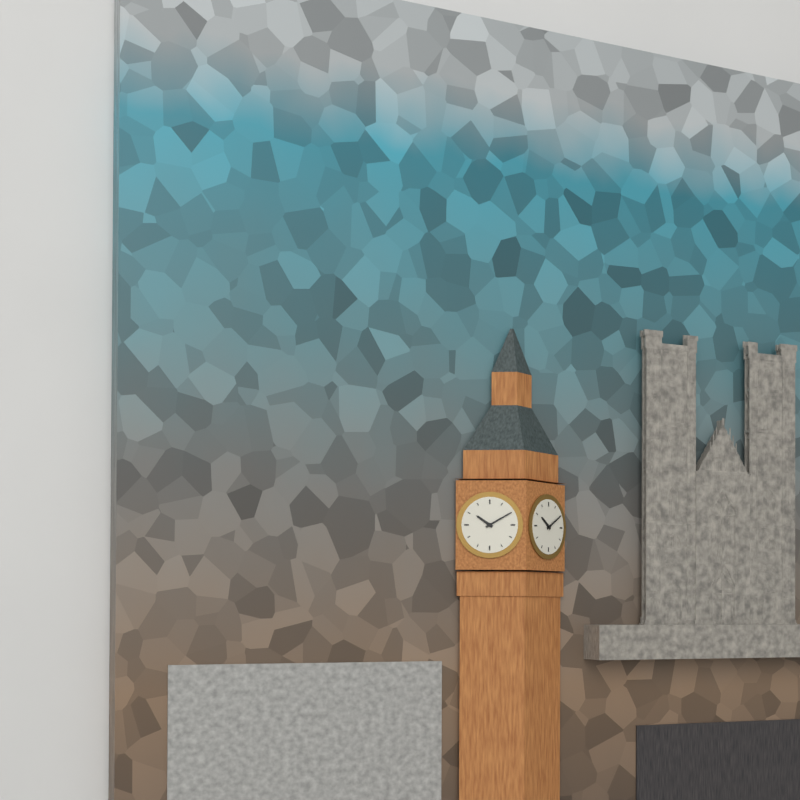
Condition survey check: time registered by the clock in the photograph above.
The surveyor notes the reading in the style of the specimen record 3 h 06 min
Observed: 10 h 10 min
